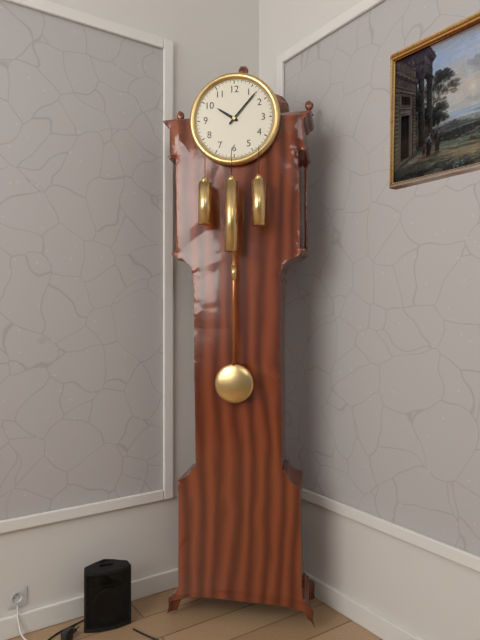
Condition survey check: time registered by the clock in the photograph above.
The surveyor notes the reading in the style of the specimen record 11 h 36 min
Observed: 10 h 07 min
